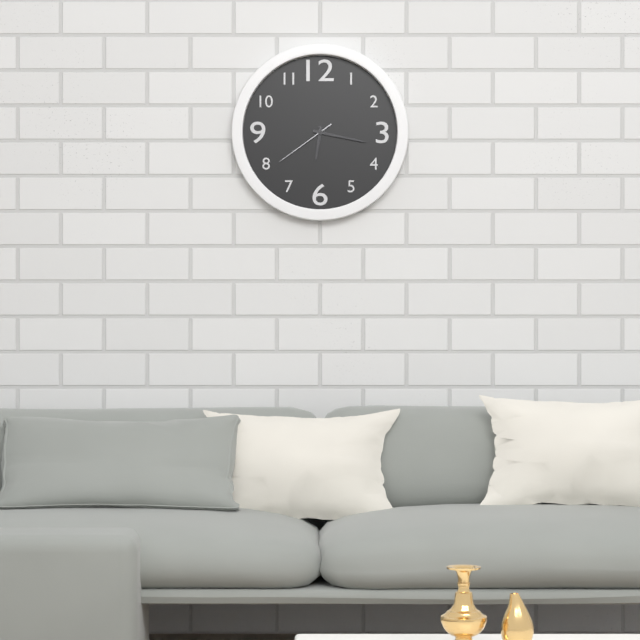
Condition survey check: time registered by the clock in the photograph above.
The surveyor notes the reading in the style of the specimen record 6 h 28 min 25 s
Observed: 6 h 17 min 39 s
